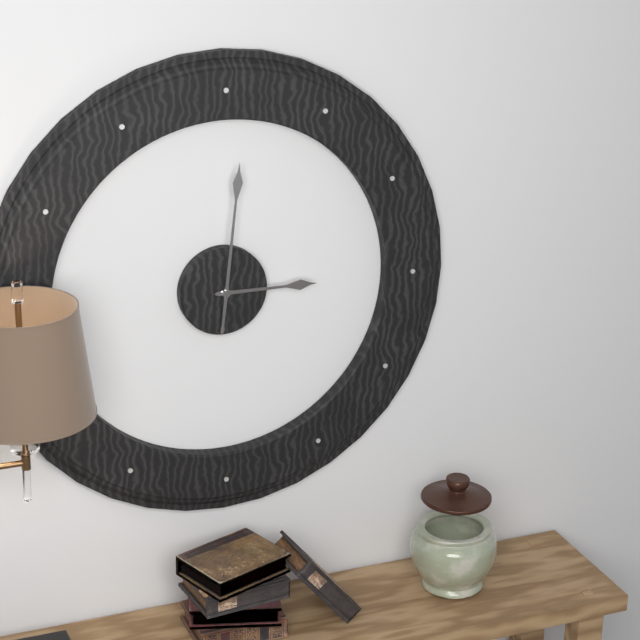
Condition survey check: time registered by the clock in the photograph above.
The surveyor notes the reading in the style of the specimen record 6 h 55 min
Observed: 3 h 01 min
